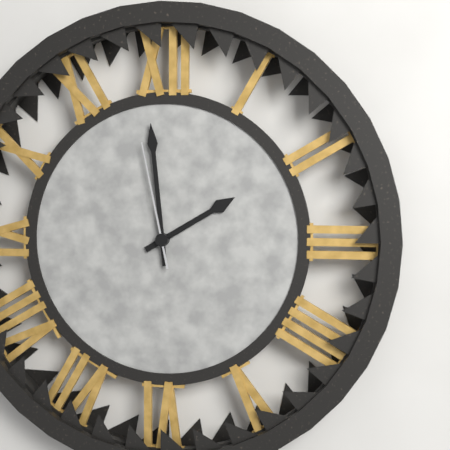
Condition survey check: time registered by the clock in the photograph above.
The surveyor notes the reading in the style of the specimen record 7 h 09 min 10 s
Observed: 1 h 59 min 58 s
